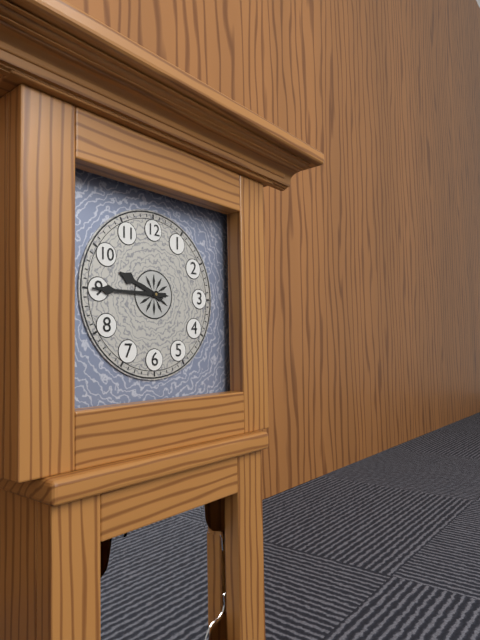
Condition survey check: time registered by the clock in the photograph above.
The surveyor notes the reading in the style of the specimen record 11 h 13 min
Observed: 9 h 45 min
